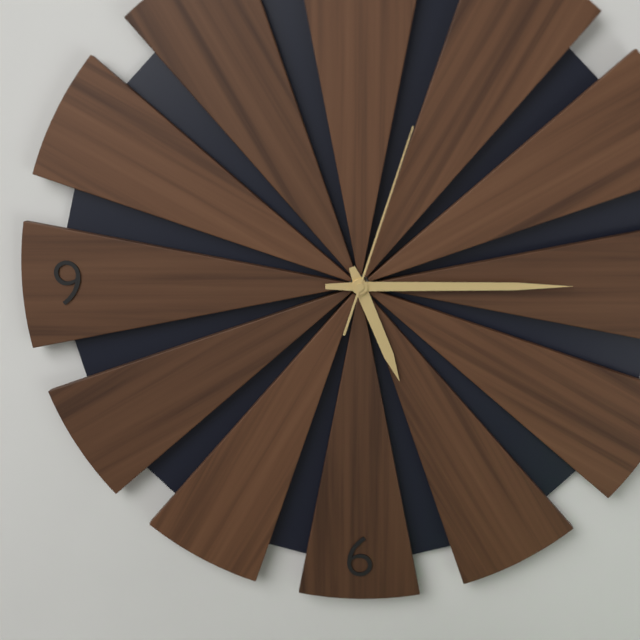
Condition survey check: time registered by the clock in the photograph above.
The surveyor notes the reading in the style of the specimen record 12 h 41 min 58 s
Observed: 5 h 15 min 03 s
